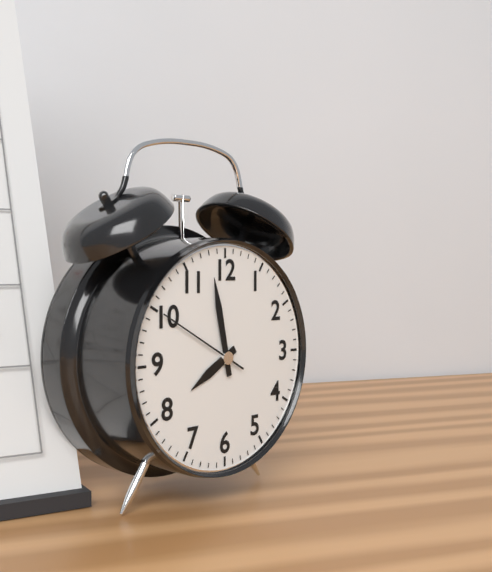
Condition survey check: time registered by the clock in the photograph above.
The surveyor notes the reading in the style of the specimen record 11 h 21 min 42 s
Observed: 7 h 58 min 50 s
